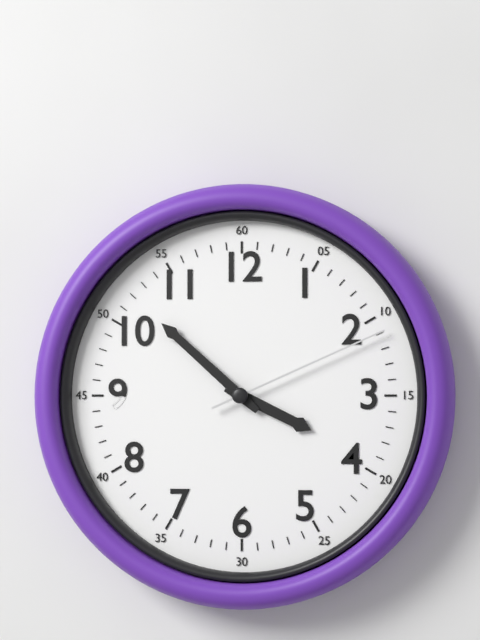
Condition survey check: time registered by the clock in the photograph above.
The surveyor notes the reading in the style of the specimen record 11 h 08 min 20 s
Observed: 3 h 52 min 11 s
